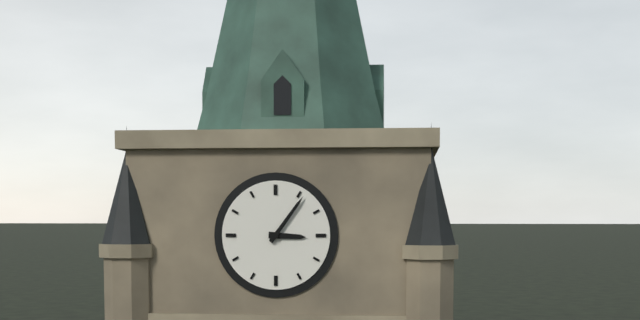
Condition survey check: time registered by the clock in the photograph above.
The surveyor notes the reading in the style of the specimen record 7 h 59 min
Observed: 3 h 06 min
